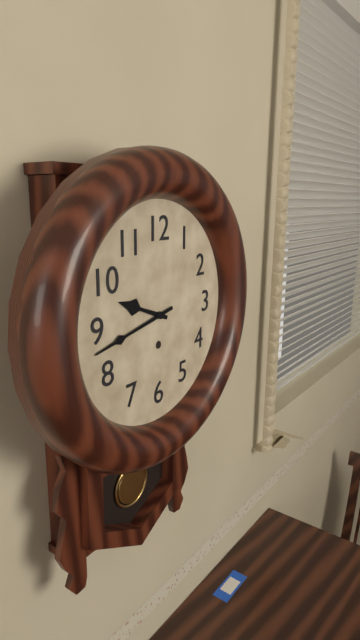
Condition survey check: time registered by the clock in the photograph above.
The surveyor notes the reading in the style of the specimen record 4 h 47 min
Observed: 9 h 43 min
